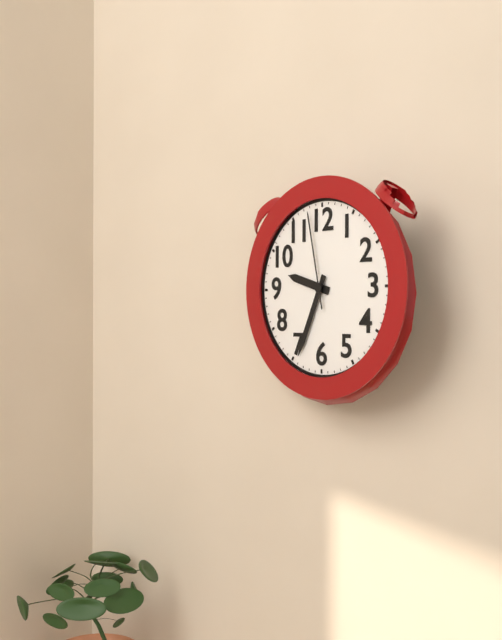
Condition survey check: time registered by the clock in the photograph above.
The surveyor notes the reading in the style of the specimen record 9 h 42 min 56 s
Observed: 9 h 34 min 58 s
